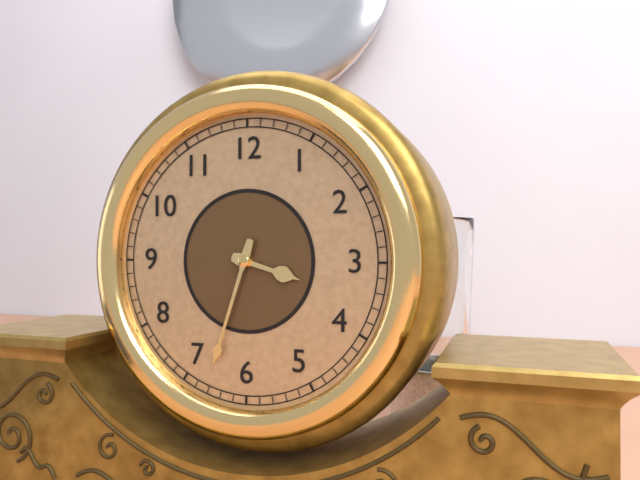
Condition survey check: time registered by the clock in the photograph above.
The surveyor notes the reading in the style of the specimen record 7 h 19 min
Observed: 3 h 33 min
